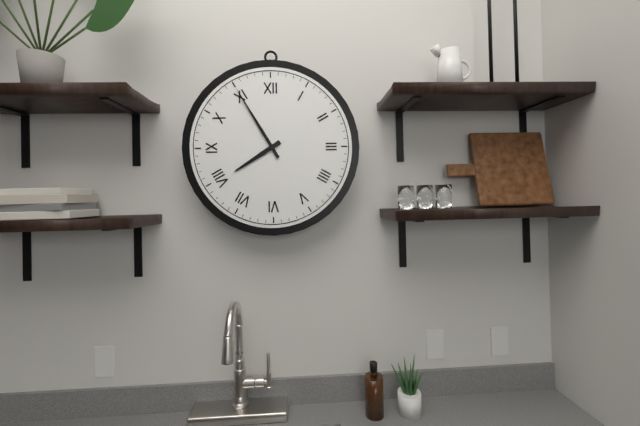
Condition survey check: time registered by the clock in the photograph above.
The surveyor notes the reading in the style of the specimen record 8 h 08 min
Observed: 7 h 55 min
